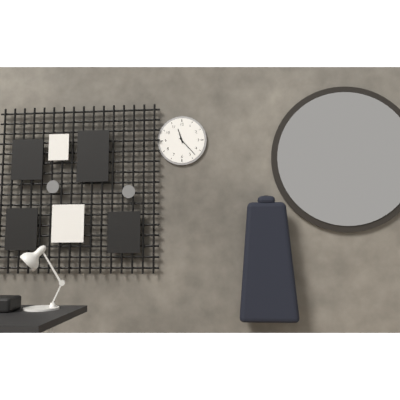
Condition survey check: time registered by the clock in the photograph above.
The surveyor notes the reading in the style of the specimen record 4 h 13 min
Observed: 11 h 23 min
